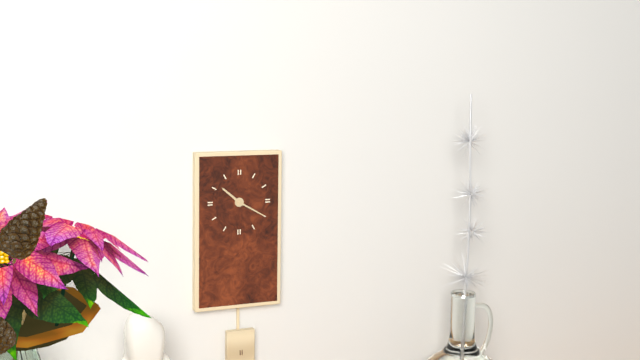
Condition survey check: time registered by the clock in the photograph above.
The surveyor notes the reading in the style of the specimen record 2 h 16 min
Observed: 10 h 20 min
